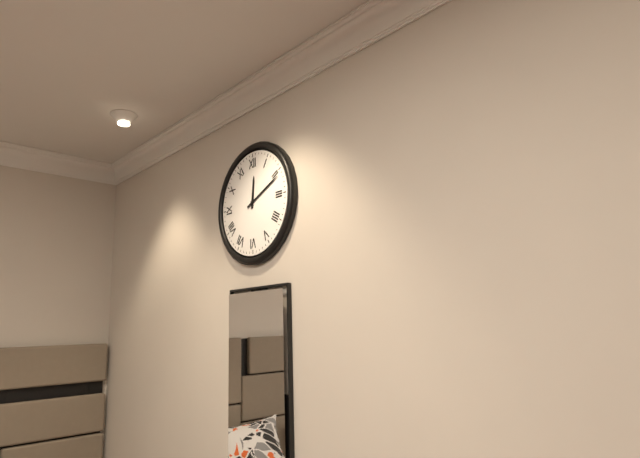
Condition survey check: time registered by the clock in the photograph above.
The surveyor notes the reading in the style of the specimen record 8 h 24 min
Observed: 12 h 11 min
